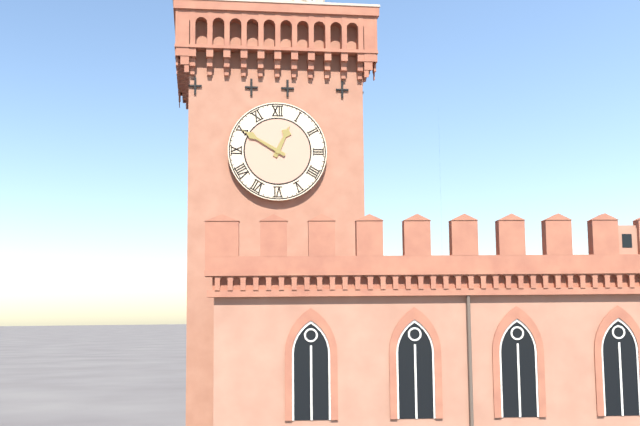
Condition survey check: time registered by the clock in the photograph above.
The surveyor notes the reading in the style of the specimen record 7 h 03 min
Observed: 12 h 50 min
